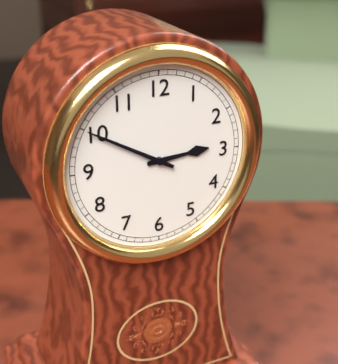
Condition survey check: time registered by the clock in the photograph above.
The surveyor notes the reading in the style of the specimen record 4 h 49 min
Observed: 2 h 50 min
